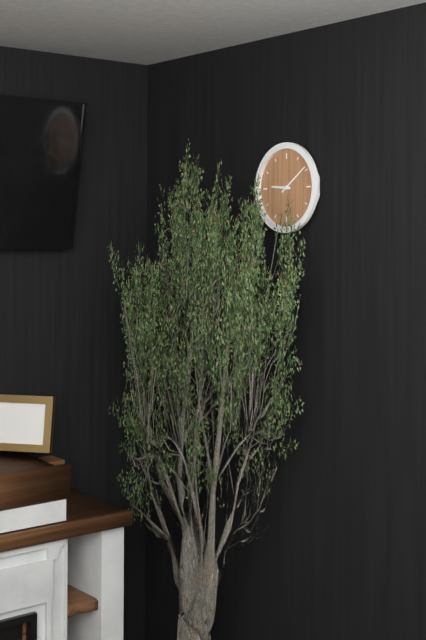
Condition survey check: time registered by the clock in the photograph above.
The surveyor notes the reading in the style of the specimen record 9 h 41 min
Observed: 9 h 09 min
